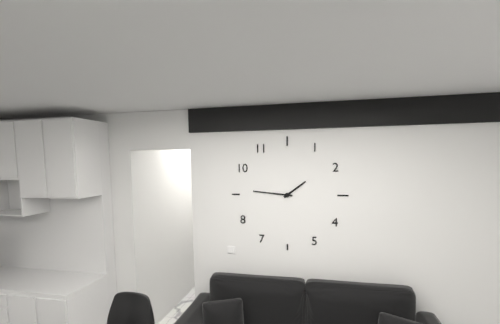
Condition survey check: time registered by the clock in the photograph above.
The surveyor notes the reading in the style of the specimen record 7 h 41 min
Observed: 1 h 46 min
